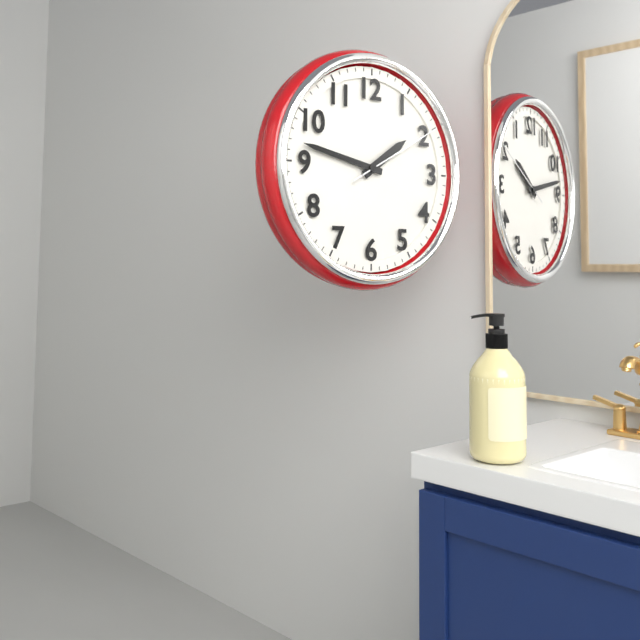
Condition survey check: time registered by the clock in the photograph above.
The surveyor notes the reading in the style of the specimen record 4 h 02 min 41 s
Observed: 1 h 47 min 10 s
